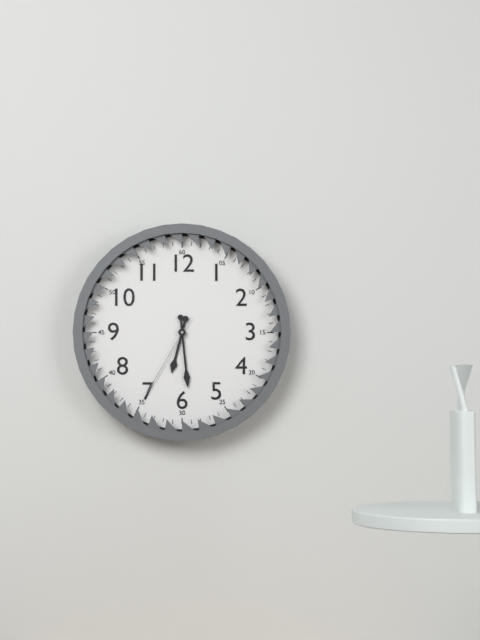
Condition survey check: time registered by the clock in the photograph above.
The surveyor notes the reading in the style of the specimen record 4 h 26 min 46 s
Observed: 6 h 29 min 35 s
